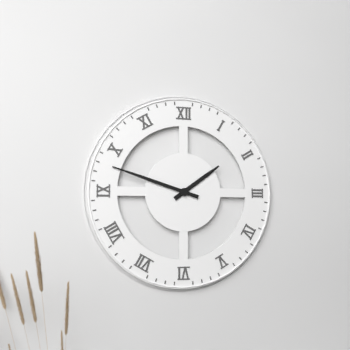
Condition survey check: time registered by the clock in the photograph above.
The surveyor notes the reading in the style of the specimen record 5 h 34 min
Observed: 1 h 48 min
